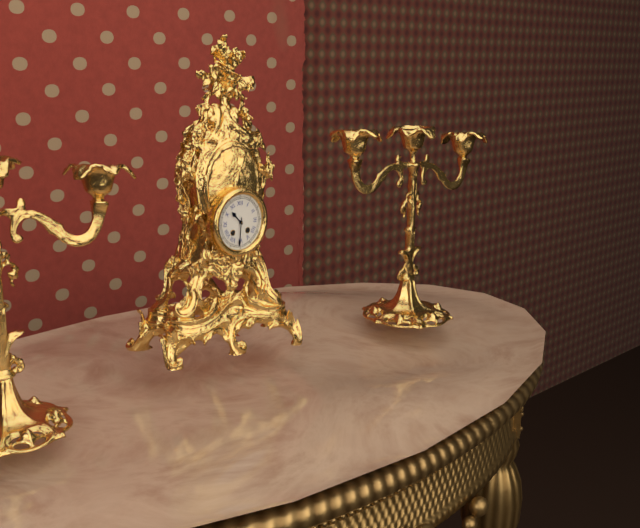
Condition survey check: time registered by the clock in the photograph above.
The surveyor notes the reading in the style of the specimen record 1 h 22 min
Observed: 10 h 31 min
